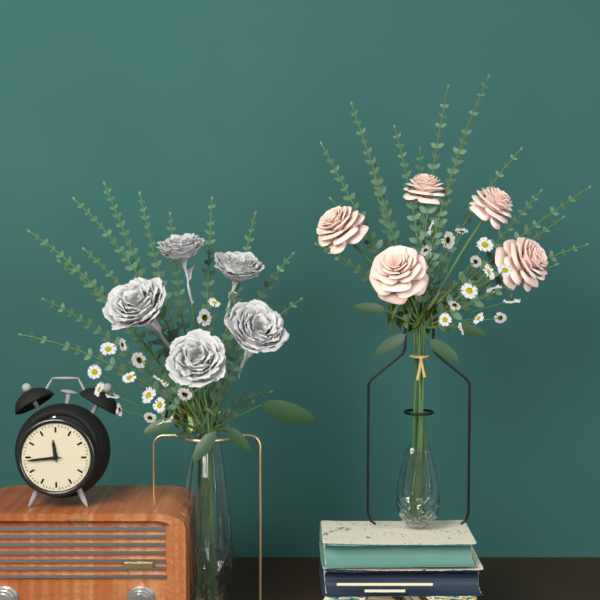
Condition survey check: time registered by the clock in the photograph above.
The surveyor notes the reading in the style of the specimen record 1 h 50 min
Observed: 11 h 44 min
